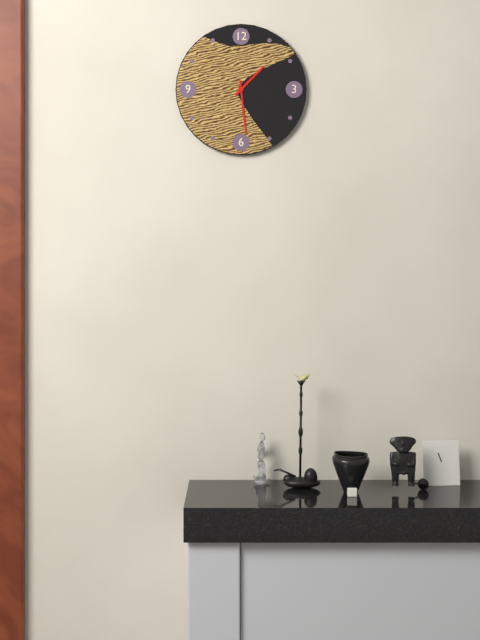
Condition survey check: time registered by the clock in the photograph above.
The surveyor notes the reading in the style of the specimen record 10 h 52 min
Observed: 1 h 29 min
